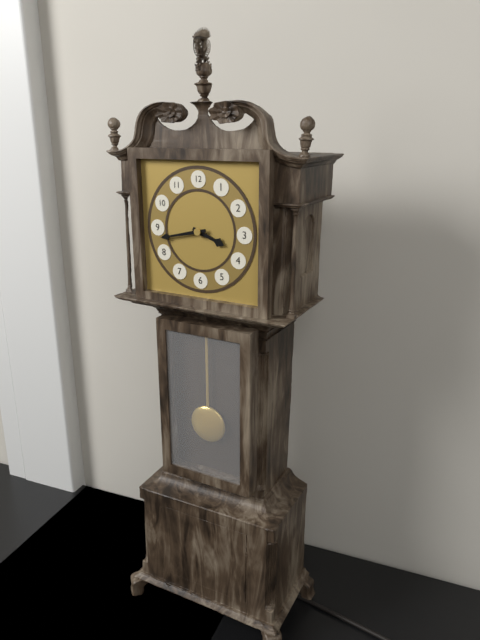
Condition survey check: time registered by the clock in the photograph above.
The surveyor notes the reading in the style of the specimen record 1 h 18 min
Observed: 3 h 43 min
